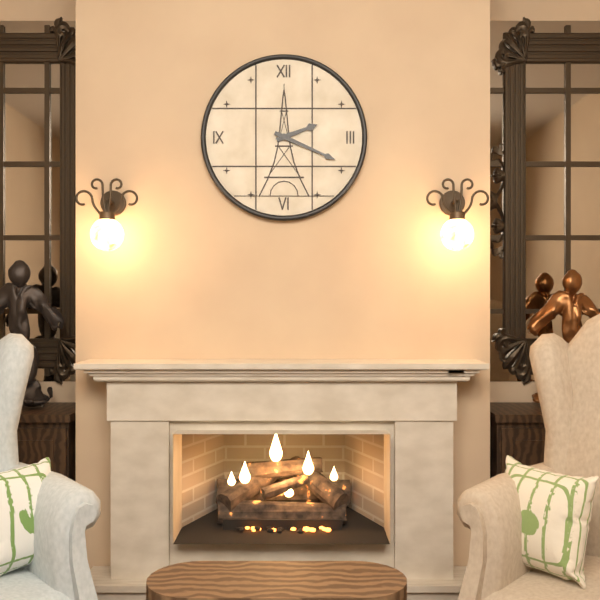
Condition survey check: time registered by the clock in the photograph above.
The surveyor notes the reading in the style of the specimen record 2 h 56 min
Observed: 2 h 19 min
